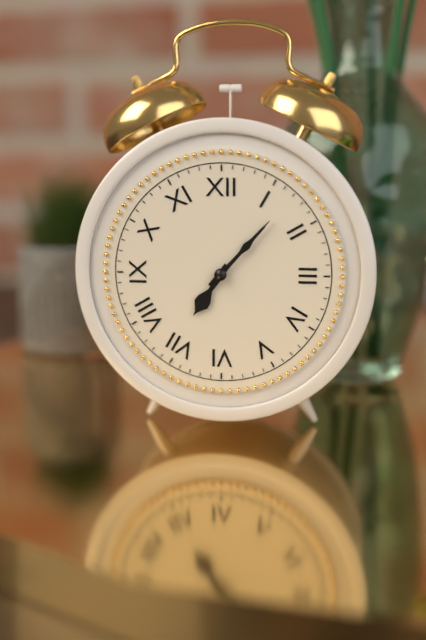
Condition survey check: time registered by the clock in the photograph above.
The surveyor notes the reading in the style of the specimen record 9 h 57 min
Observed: 7 h 07 min
